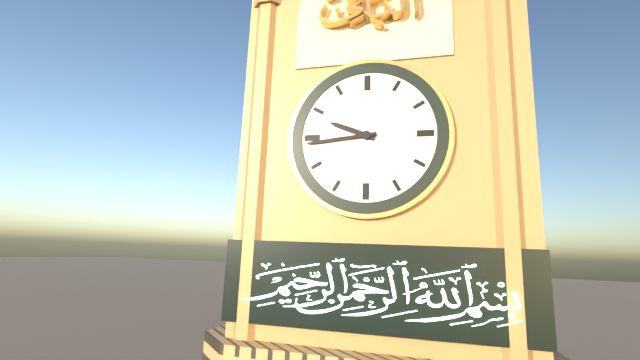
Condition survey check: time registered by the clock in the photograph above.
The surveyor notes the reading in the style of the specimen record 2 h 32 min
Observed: 9 h 44 min
